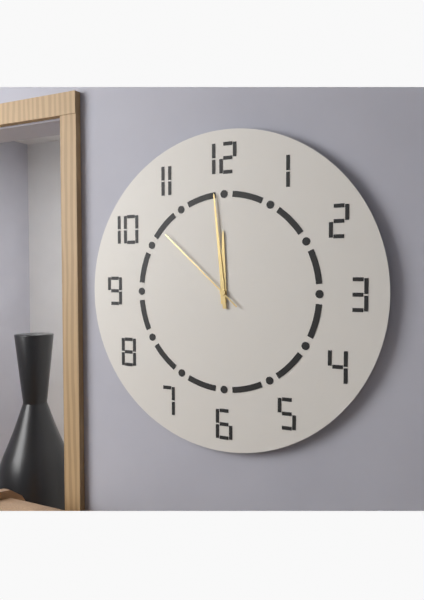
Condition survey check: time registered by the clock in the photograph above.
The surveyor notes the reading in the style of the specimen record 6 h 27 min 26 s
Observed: 11 h 59 min 52 s
